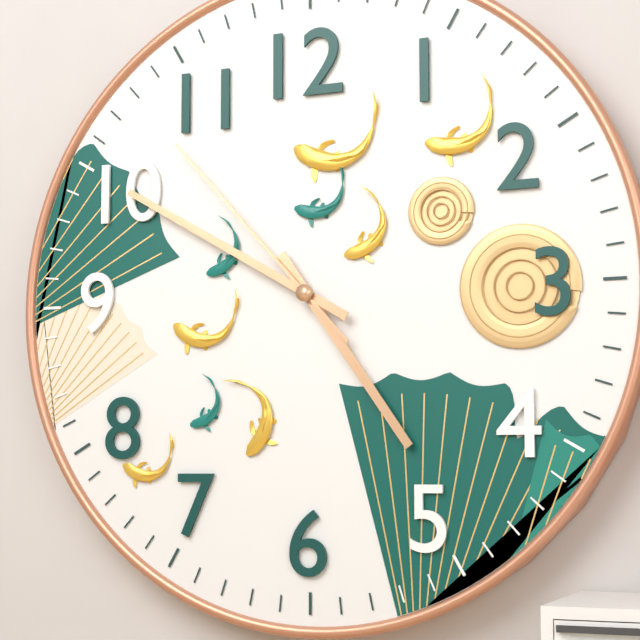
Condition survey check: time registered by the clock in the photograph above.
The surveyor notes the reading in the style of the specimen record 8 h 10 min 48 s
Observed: 4 h 50 min 53 s
